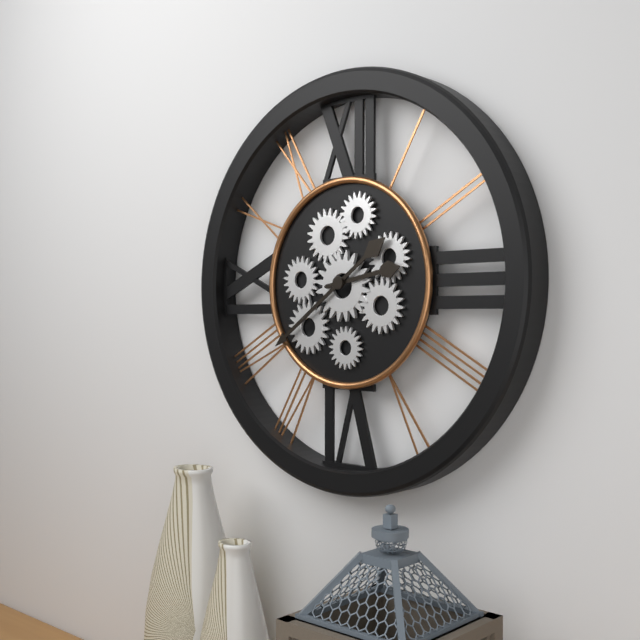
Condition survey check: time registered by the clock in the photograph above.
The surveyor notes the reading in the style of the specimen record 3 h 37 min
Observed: 2 h 39 min
